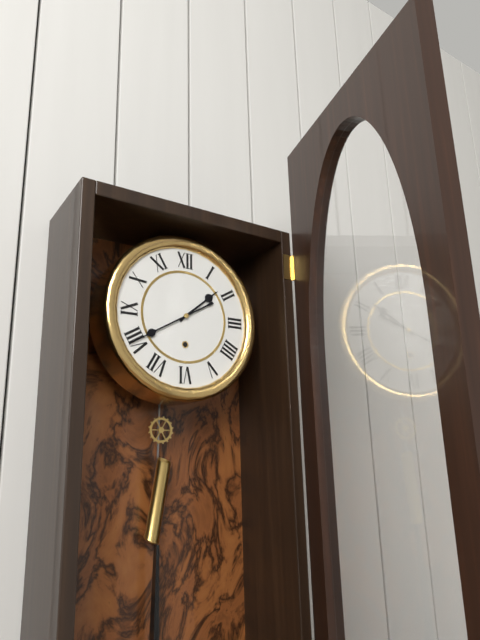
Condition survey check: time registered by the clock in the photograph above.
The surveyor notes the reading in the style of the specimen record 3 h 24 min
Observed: 1 h 40 min
